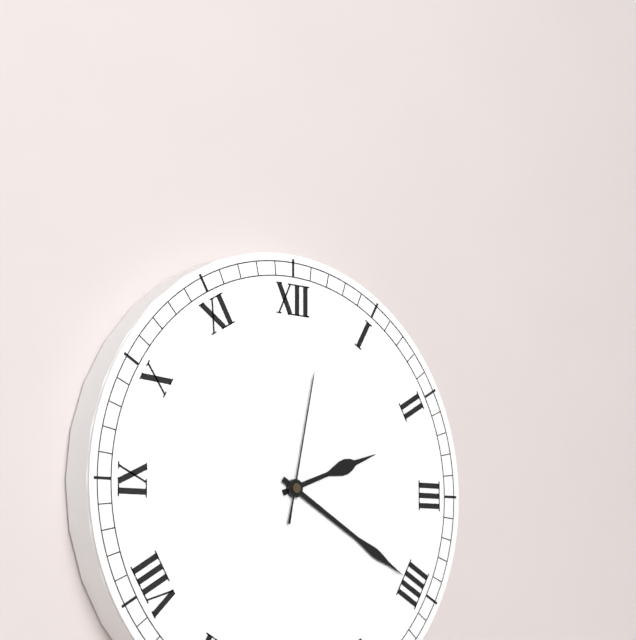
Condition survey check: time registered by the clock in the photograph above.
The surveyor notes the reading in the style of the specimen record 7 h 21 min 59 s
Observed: 2 h 20 min 02 s
